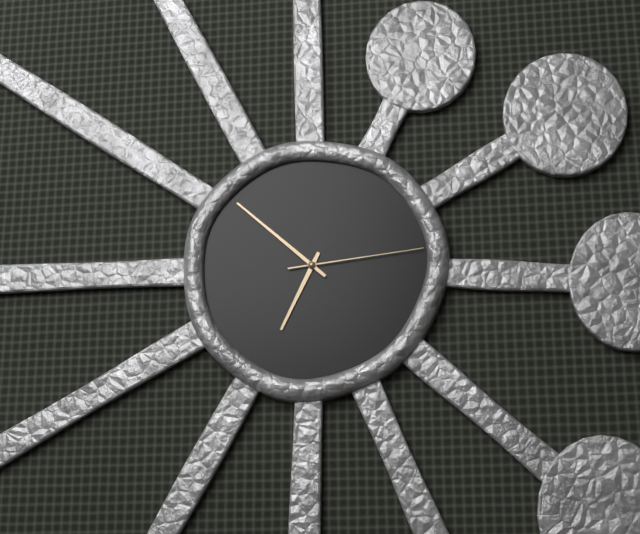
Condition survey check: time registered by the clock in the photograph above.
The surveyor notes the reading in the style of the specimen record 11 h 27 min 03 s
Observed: 6 h 52 min 14 s
